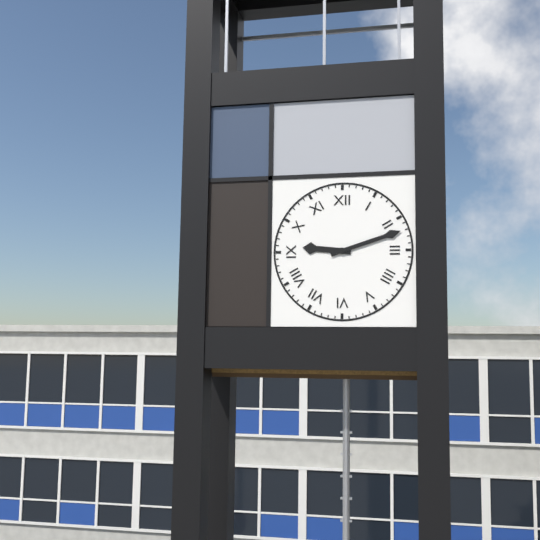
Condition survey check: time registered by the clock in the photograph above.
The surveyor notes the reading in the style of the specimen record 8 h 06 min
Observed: 9 h 12 min
